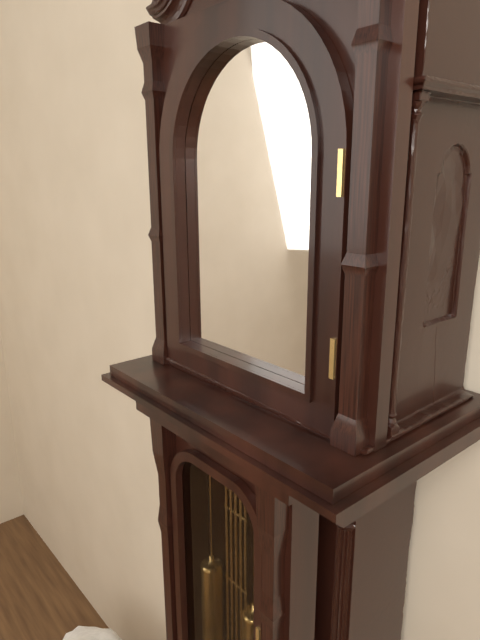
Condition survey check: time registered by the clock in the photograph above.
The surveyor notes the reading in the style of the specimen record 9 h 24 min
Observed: 12 h 09 min
